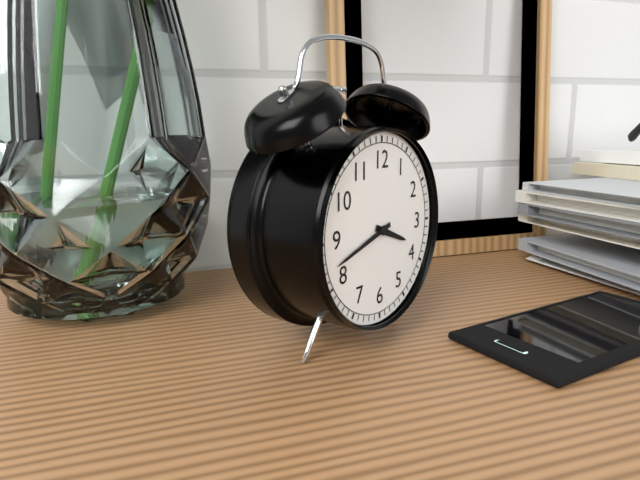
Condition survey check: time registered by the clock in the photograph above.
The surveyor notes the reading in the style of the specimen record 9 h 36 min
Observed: 3 h 42 min
